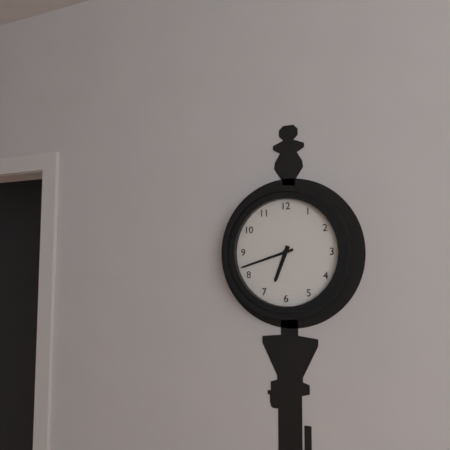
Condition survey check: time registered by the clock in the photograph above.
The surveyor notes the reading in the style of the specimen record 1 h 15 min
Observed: 6 h 42 min
